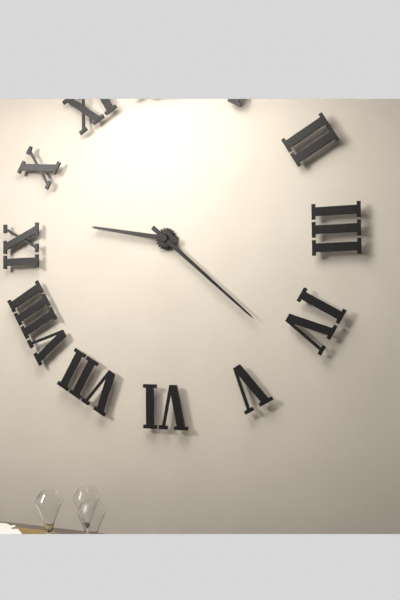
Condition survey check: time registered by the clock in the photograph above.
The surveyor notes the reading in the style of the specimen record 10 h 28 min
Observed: 9 h 22 min
